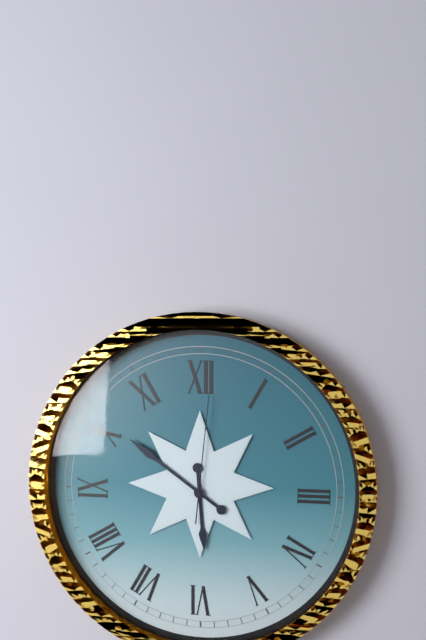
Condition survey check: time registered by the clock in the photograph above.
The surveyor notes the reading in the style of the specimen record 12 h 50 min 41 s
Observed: 5 h 51 min 01 s
